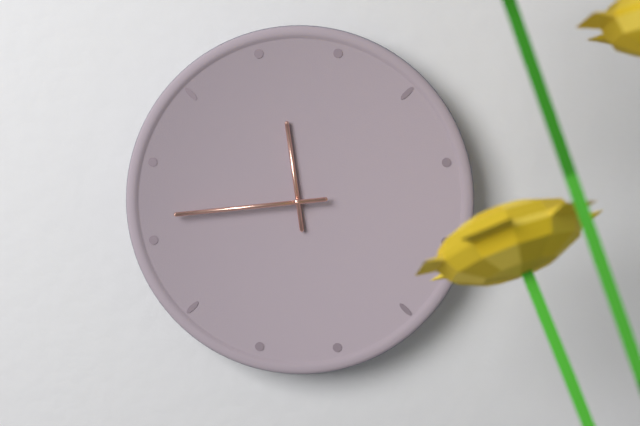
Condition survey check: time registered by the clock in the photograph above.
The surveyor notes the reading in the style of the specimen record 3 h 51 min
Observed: 11 h 44 min
